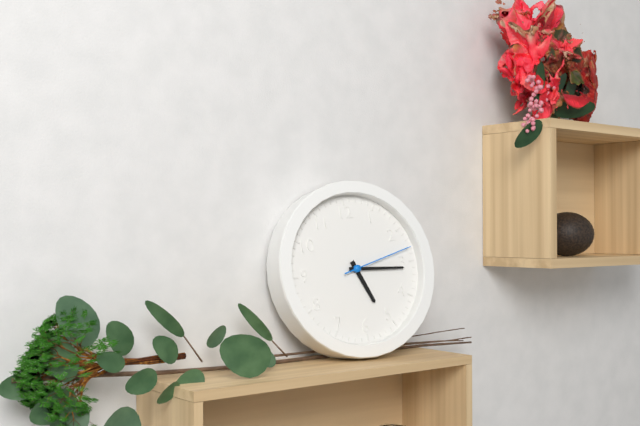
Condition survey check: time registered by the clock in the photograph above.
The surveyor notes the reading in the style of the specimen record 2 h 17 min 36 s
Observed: 5 h 16 min 13 s
